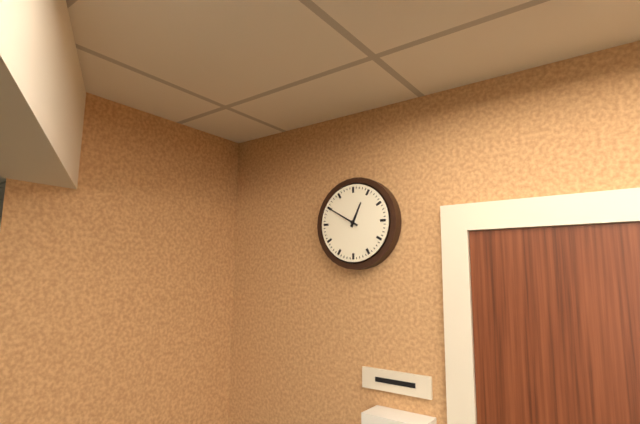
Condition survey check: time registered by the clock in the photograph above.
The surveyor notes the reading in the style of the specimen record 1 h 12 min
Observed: 12 h 50 min
